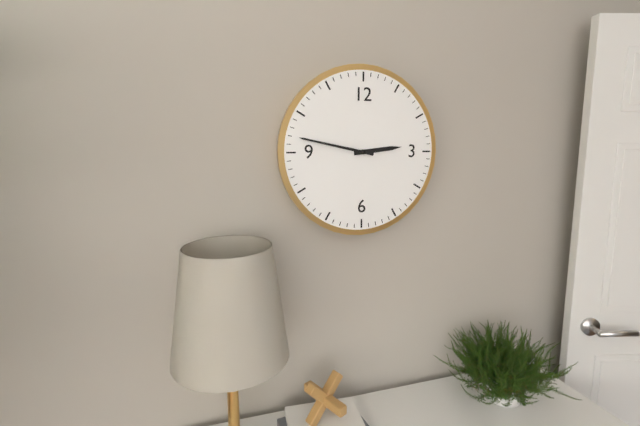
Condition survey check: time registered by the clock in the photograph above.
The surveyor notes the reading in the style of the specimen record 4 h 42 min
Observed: 2 h 47 min
